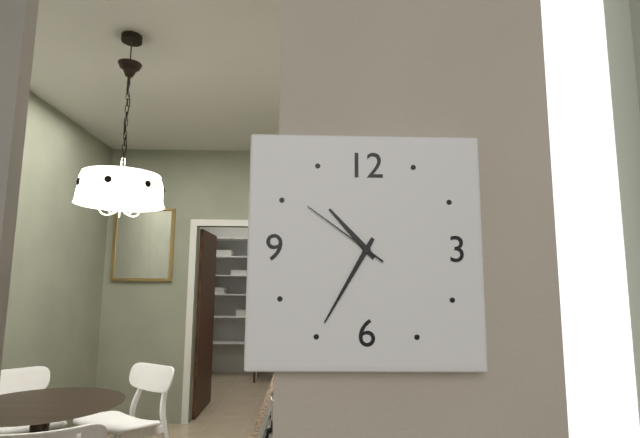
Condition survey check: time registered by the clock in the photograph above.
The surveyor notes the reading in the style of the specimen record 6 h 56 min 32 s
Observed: 10 h 35 min 51 s
